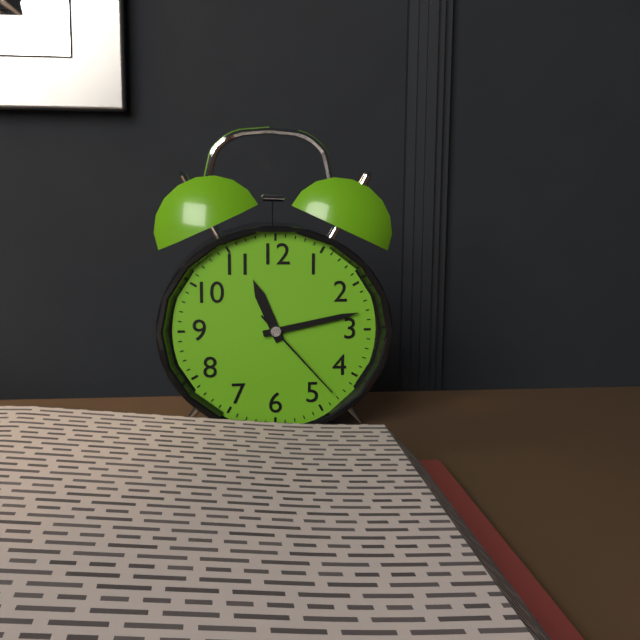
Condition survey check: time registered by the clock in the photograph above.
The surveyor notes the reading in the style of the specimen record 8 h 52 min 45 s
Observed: 11 h 13 min 23 s
